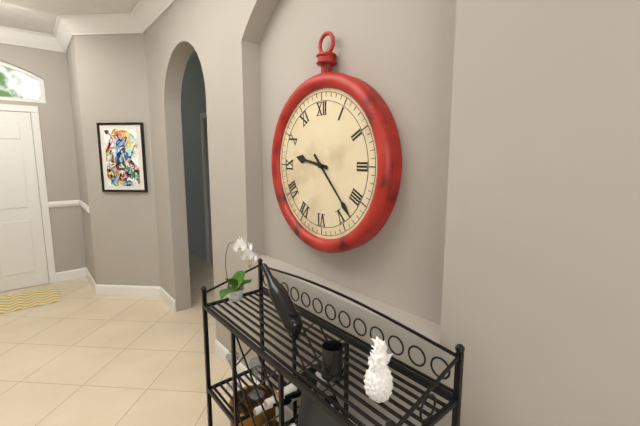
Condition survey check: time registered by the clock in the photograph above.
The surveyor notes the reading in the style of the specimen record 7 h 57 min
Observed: 9 h 23 min
